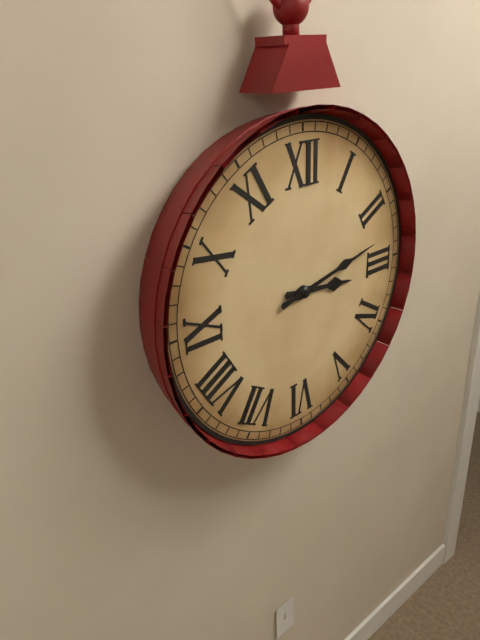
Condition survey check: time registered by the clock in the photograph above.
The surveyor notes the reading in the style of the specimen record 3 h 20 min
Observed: 3 h 13 min
